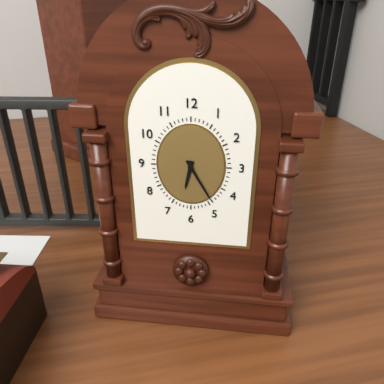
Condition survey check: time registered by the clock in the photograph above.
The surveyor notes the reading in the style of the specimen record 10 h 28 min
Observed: 6 h 25 min
